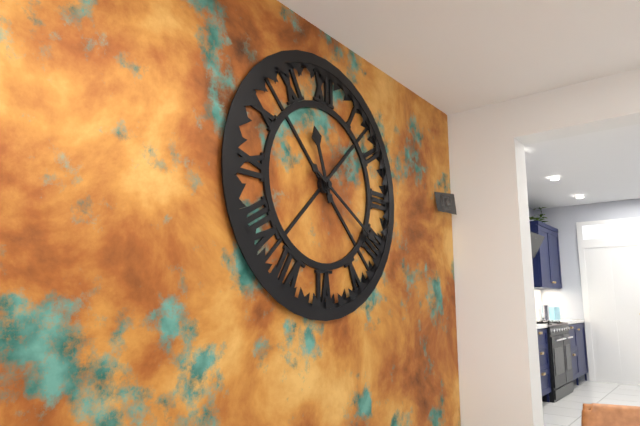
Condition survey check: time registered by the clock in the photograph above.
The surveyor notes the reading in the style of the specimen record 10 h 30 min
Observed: 11 h 20 min
